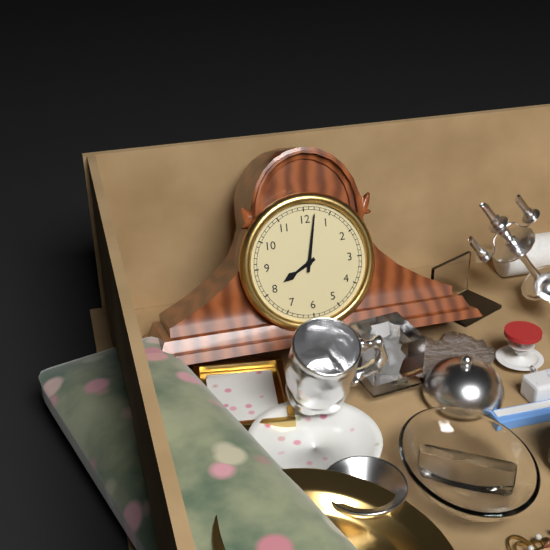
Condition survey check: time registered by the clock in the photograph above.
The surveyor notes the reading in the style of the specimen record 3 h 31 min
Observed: 8 h 02 min
